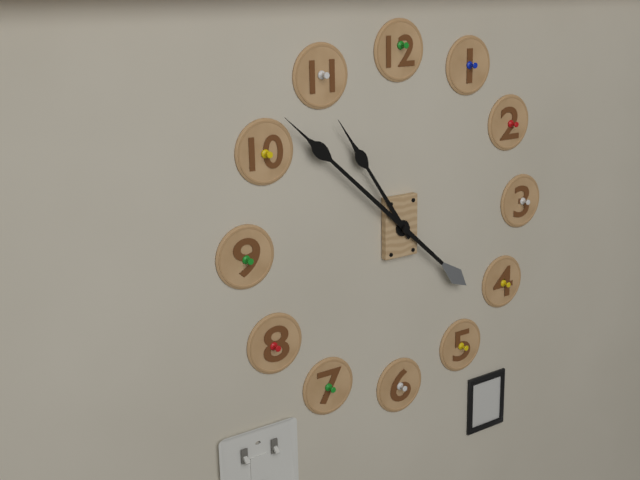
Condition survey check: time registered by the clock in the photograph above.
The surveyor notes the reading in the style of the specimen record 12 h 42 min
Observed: 10 h 52 min
